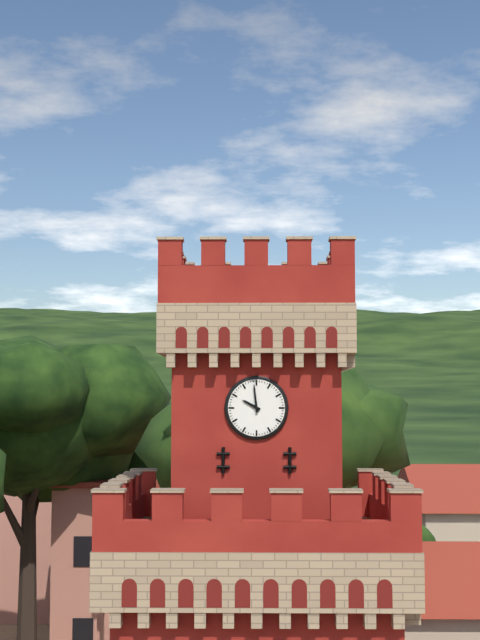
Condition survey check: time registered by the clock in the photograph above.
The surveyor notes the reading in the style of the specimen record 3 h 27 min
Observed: 9 h 59 min
